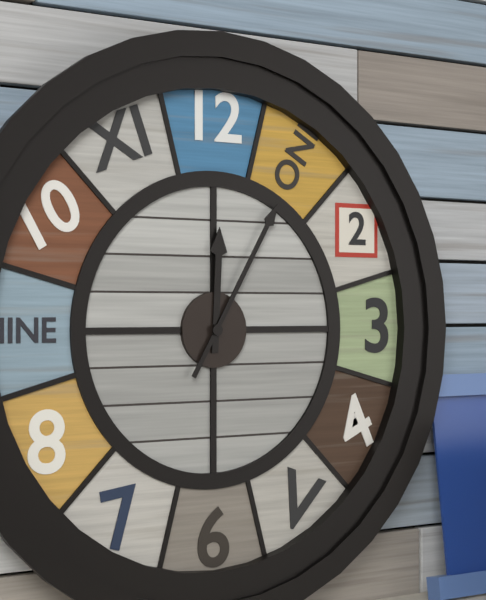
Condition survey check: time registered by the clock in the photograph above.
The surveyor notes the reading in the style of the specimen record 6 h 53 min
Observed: 12 h 05 min
